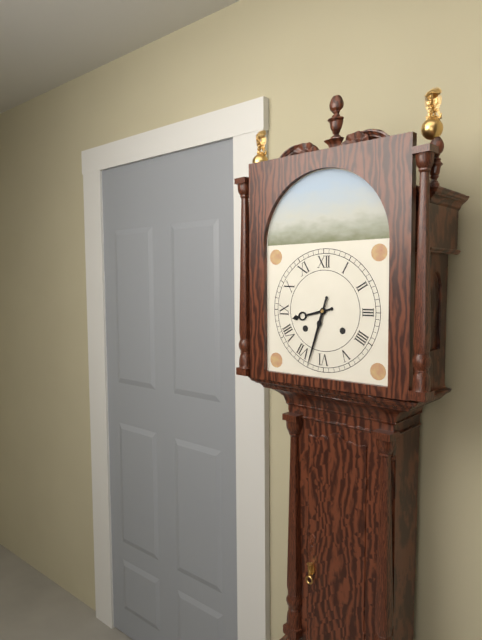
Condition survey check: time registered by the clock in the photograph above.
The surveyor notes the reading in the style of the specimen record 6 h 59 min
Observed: 8 h 33 min
